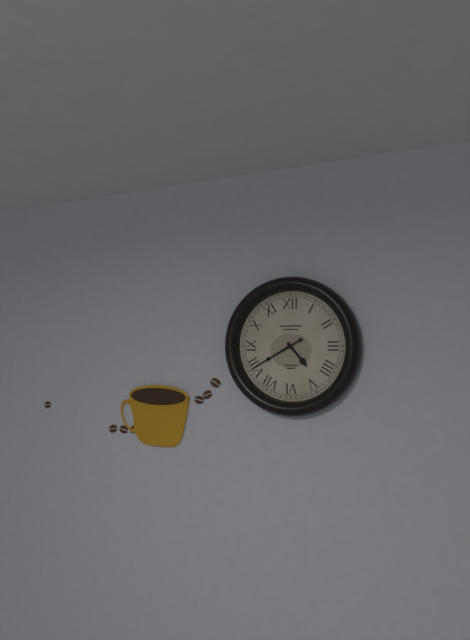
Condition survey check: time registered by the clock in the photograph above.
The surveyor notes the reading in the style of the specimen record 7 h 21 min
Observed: 4 h 40 min
